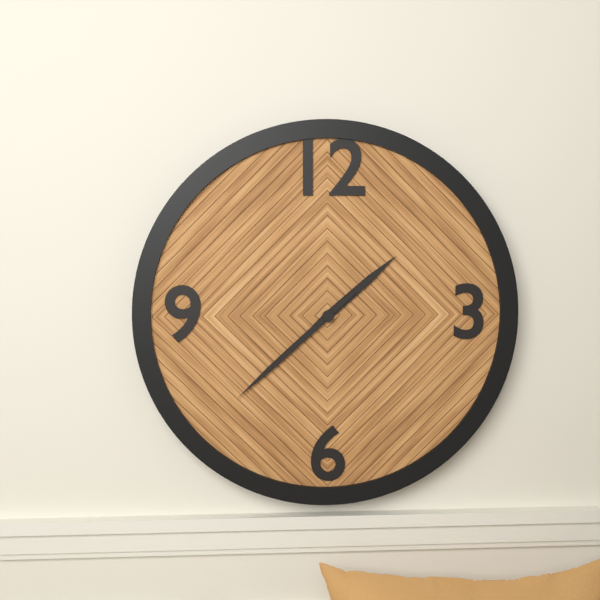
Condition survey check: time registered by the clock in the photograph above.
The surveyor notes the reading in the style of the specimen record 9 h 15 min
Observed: 1 h 38 min
